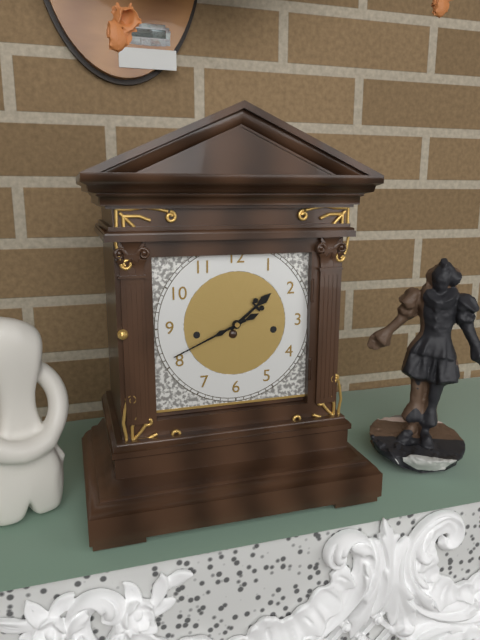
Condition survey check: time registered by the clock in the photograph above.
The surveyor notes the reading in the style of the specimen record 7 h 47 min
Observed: 1 h 41 min
